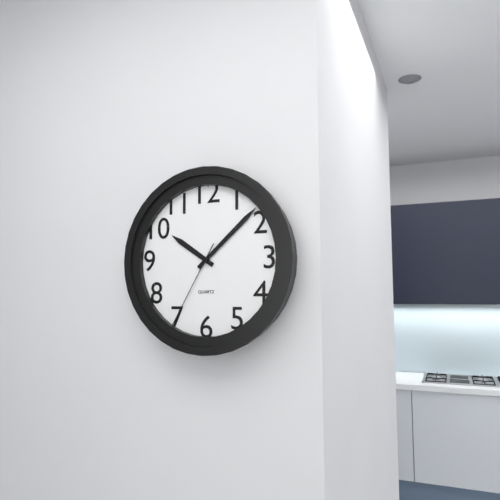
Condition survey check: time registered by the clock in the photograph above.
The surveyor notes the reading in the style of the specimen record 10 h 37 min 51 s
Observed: 10 h 08 min 35 s
